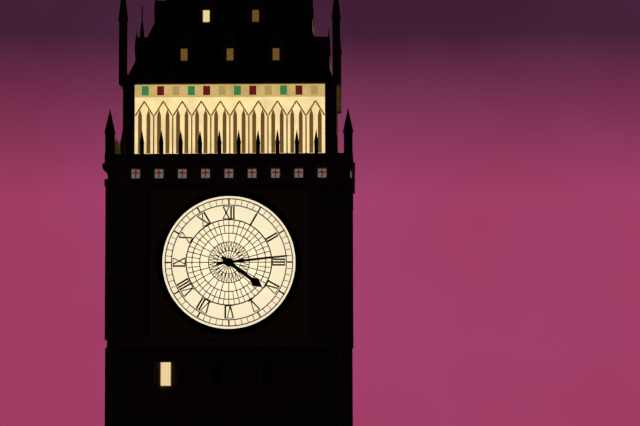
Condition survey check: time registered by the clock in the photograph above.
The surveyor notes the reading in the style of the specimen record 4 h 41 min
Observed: 4 h 14 min
